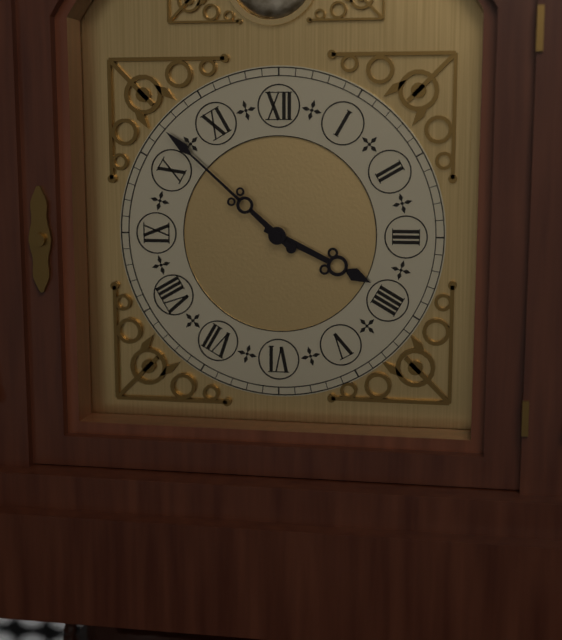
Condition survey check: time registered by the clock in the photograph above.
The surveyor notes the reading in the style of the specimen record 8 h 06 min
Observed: 3 h 52 min
